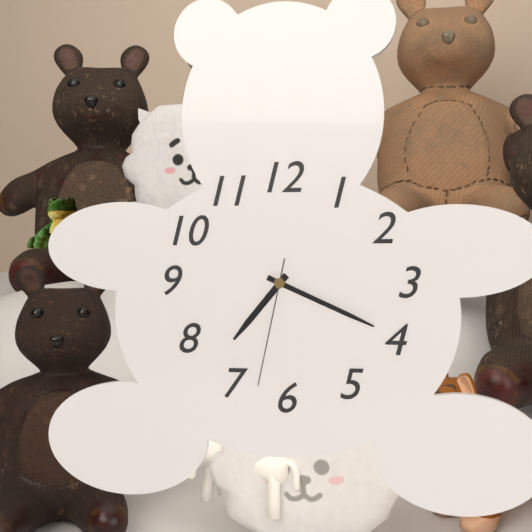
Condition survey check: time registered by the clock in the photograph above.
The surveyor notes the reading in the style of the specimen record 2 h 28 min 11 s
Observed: 7 h 19 min 32 s
